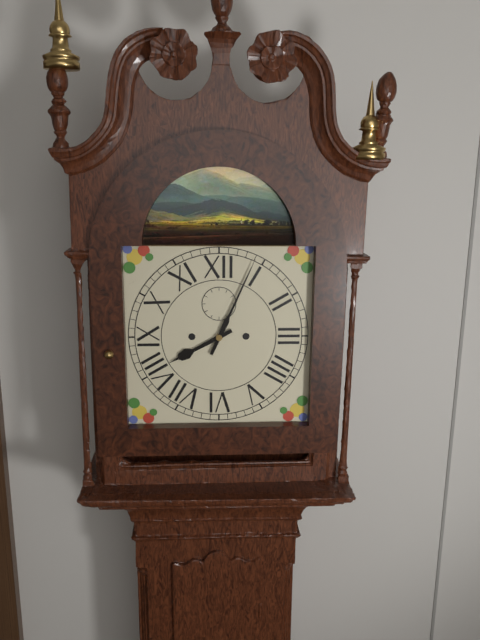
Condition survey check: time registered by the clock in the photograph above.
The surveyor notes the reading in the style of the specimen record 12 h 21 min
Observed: 8 h 04 min
